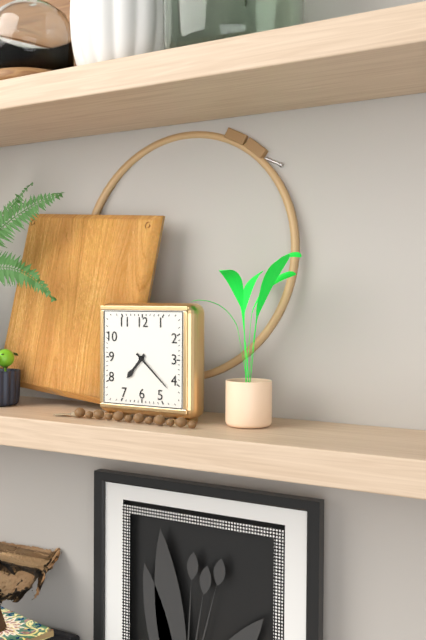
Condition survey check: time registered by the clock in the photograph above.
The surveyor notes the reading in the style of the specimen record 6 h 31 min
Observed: 7 h 22 min
